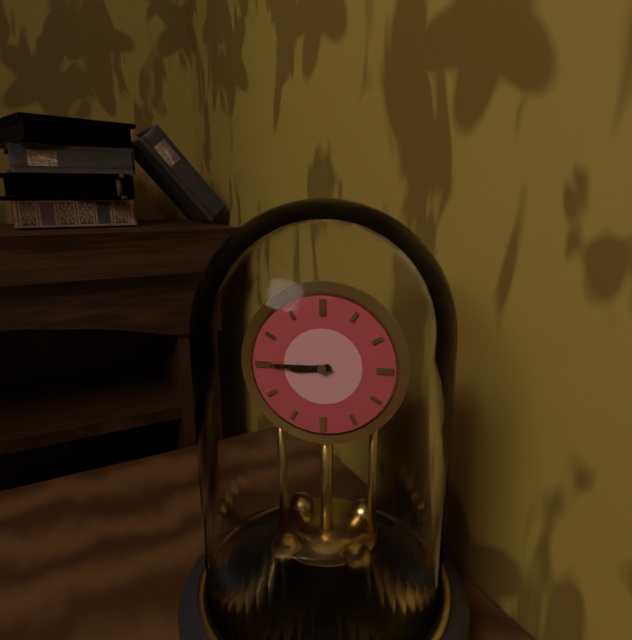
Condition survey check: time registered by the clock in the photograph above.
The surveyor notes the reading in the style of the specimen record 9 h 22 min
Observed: 8 h 45 min
